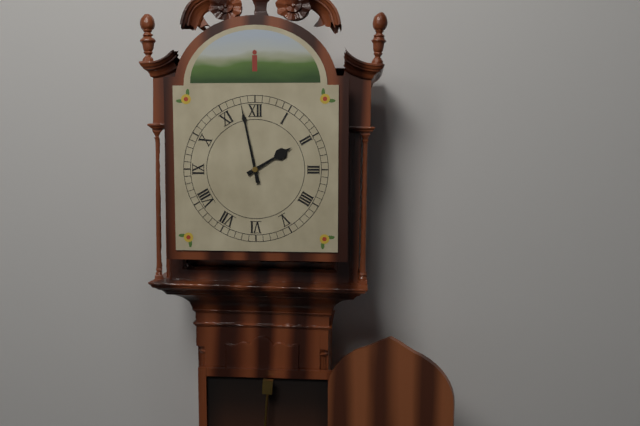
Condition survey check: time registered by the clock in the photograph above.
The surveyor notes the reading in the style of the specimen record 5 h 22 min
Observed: 1 h 58 min
